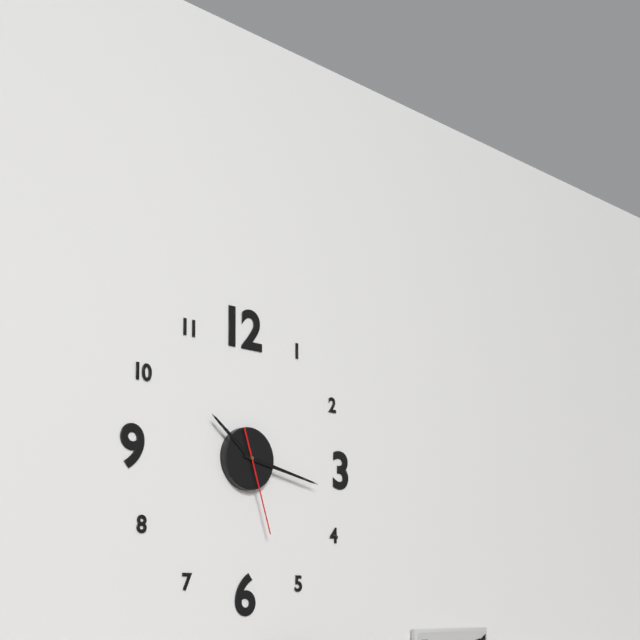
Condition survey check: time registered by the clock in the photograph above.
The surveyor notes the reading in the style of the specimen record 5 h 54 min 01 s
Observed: 10 h 17 min 27 s
